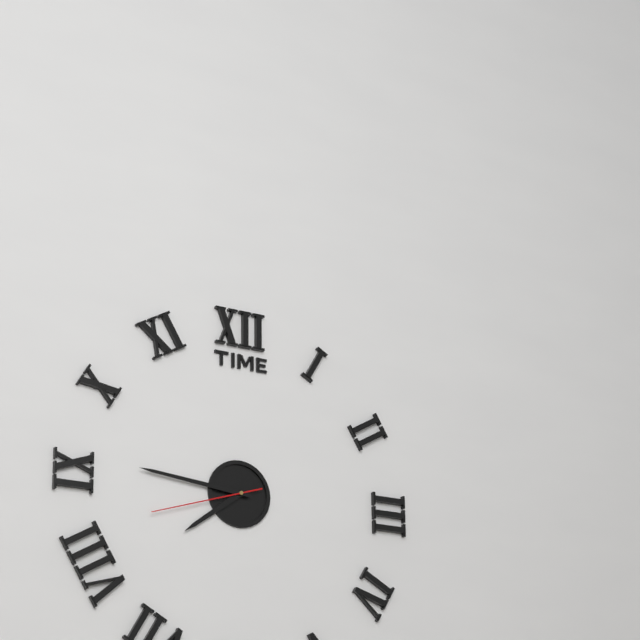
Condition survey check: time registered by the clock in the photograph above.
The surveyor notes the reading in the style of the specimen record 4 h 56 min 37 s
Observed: 7 h 46 min 42 s
